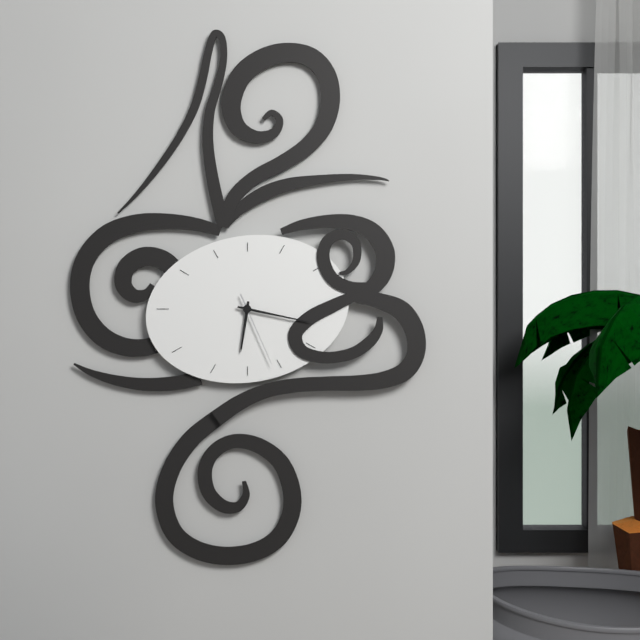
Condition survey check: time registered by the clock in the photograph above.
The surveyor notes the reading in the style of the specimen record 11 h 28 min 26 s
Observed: 6 h 17 min 26 s
